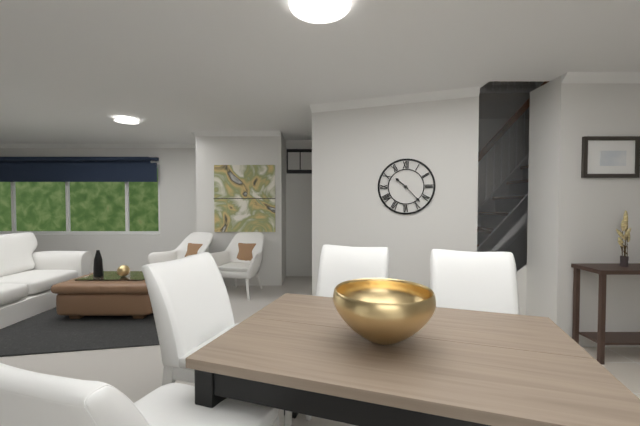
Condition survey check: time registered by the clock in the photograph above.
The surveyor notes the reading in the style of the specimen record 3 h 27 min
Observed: 10 h 23 min
